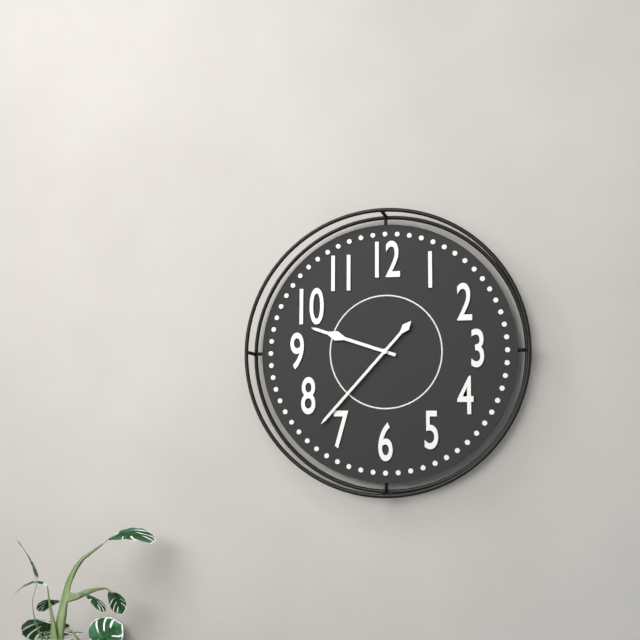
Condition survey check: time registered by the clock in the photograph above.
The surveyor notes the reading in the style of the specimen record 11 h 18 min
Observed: 9 h 37 min
